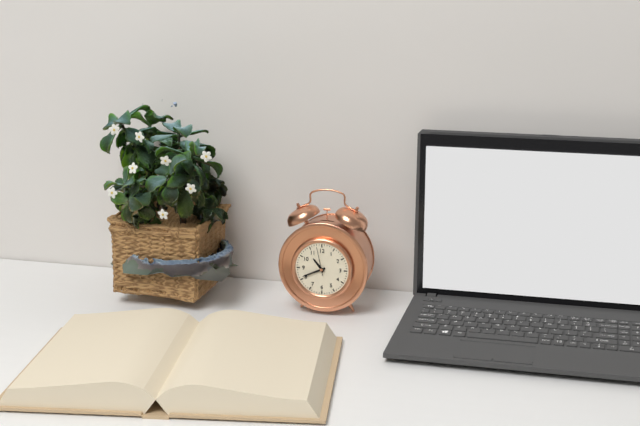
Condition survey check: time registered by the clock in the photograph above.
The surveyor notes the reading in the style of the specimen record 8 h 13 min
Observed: 10 h 41 min
